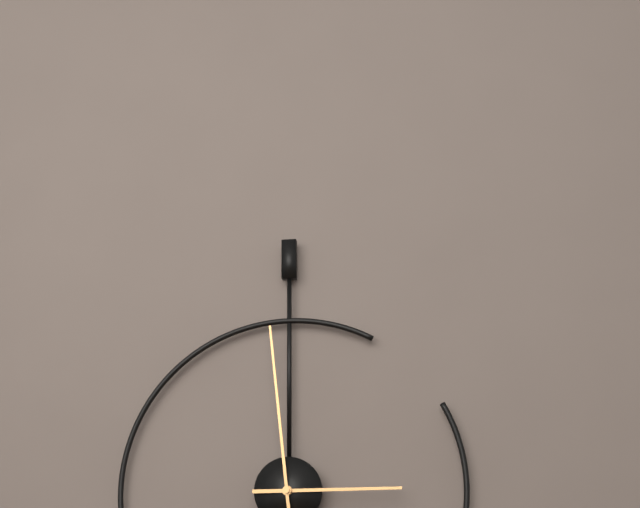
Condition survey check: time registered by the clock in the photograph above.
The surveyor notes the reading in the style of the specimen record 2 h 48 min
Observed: 2 h 59 min
